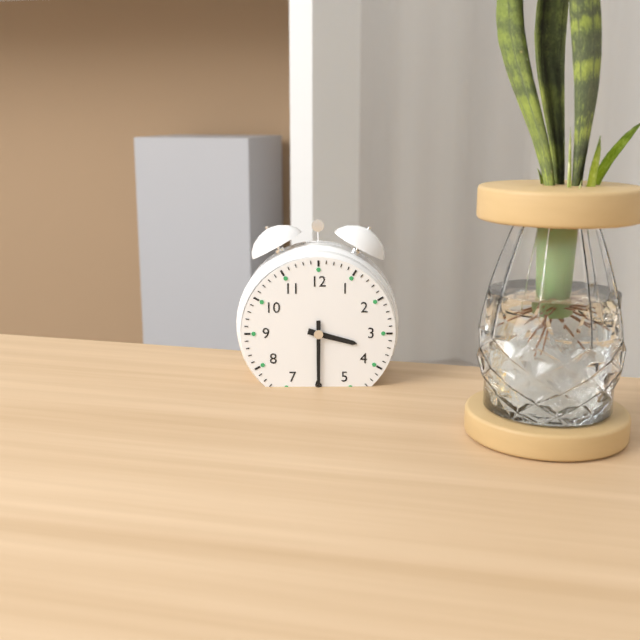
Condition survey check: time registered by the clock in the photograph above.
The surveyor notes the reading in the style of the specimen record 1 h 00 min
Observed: 3 h 30 min
